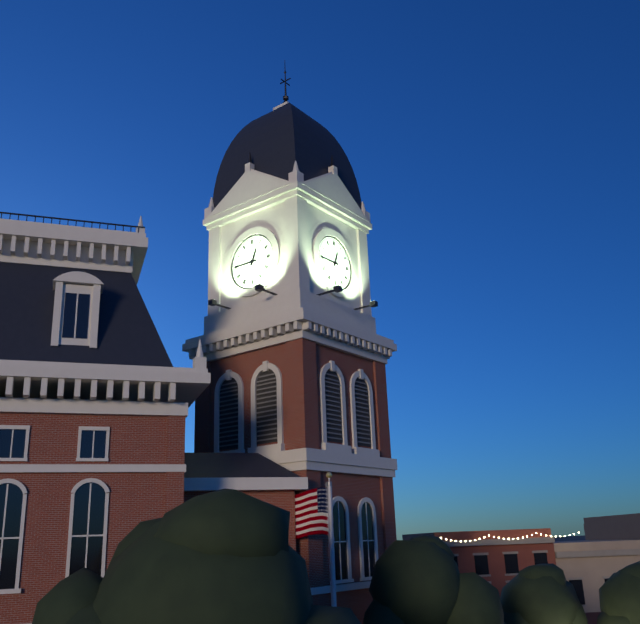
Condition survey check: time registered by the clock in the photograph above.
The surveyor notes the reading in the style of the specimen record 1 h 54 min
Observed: 12 h 45 min
